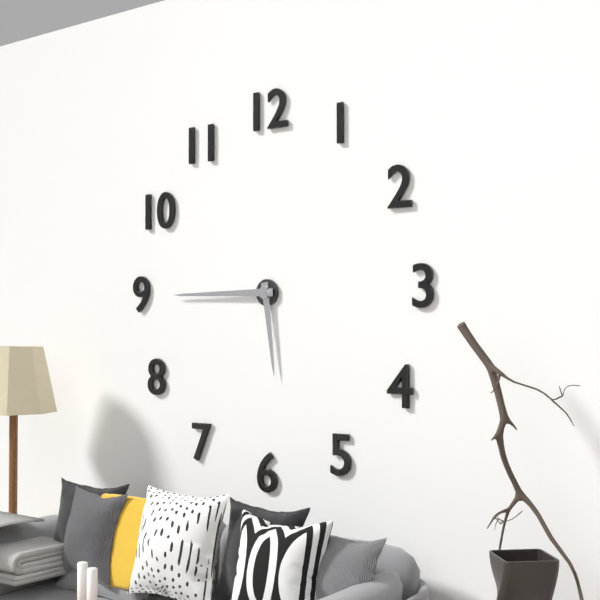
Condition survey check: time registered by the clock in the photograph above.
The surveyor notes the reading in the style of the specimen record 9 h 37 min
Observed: 5 h 45 min
